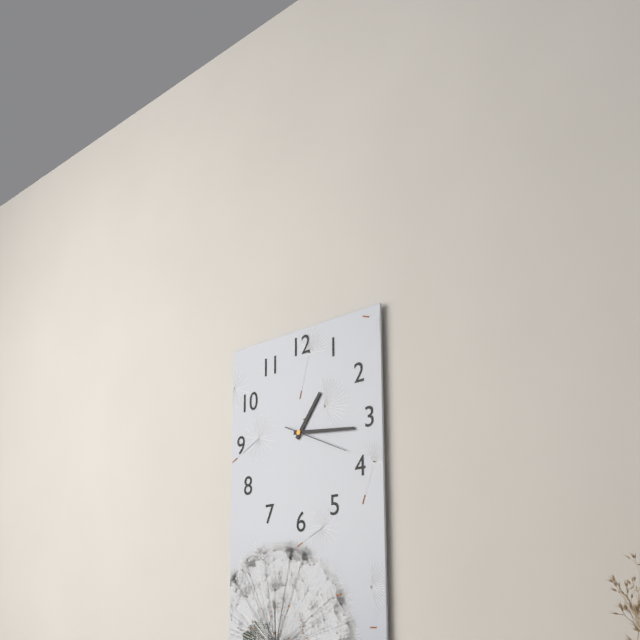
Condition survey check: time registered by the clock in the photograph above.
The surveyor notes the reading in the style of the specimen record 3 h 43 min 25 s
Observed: 1 h 16 min 19 s
